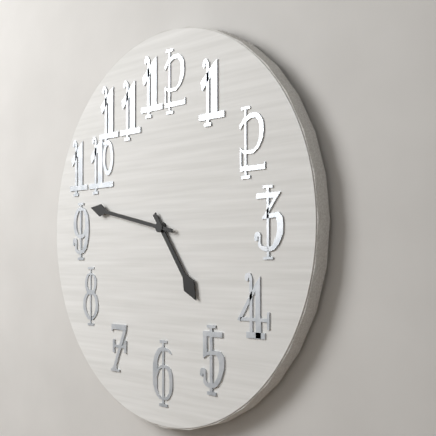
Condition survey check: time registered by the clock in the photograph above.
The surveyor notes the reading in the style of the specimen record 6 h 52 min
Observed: 4 h 47 min
